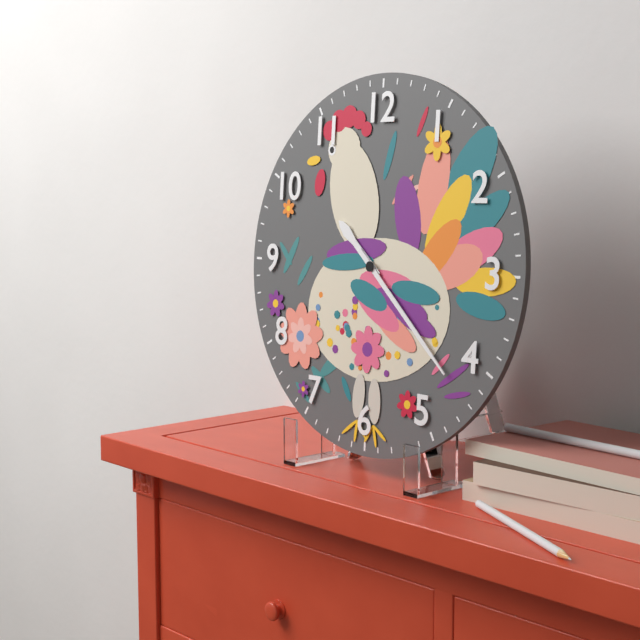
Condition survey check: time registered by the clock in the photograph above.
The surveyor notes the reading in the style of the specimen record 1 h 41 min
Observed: 10 h 22 min
